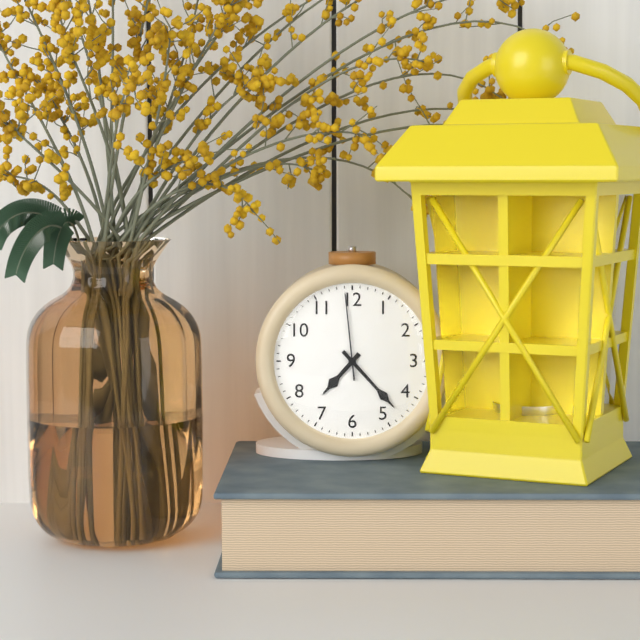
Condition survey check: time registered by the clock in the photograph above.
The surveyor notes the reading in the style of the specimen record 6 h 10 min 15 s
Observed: 7 h 23 min 59 s
